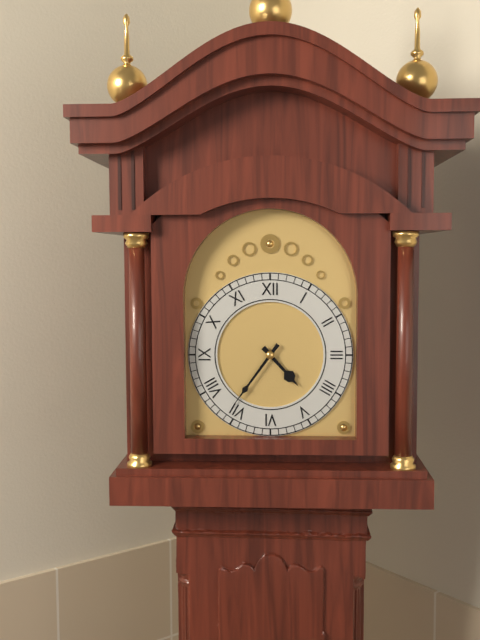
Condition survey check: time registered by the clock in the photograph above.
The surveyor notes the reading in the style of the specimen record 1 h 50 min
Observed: 4 h 36 min
